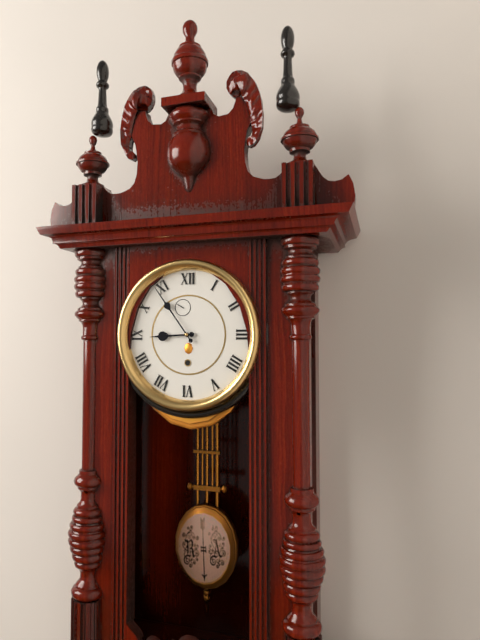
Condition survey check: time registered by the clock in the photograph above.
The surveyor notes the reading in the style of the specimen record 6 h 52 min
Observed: 8 h 54 min
